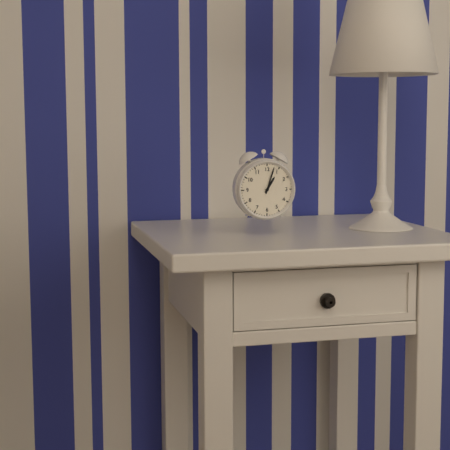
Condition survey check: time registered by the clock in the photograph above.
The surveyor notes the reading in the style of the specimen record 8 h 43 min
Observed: 1 h 03 min
